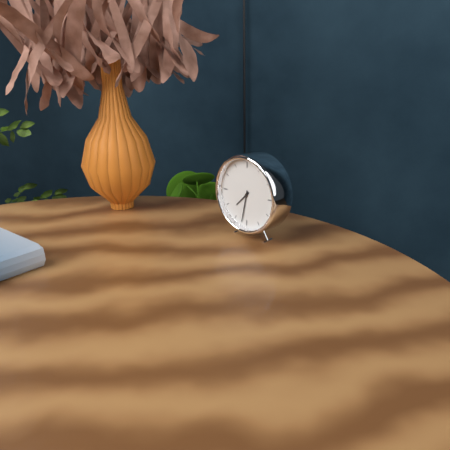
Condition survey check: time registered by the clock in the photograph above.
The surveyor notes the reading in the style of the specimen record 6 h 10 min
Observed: 7 h 32 min
